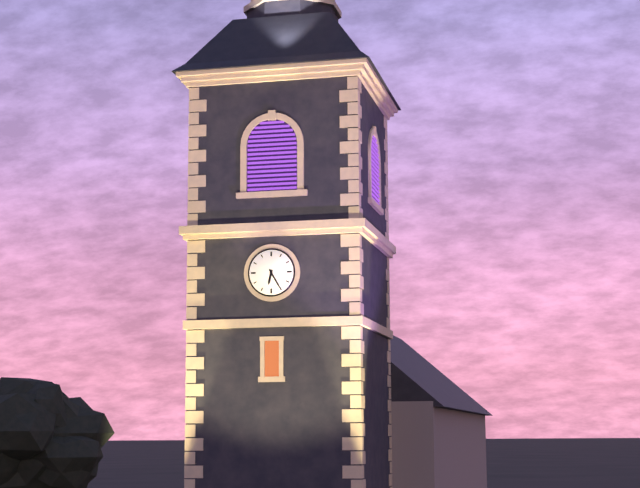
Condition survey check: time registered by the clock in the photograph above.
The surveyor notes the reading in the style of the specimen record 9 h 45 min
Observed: 6 h 25 min
